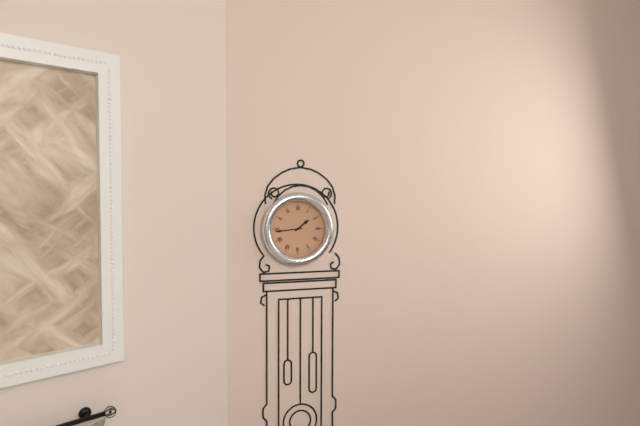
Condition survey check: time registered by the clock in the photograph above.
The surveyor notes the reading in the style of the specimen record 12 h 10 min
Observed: 1 h 44 min
